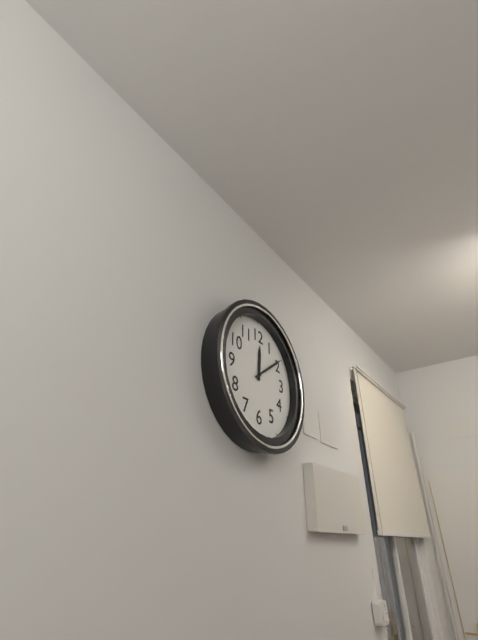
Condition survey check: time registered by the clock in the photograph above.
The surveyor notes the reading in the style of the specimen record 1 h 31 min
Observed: 12 h 09 min
